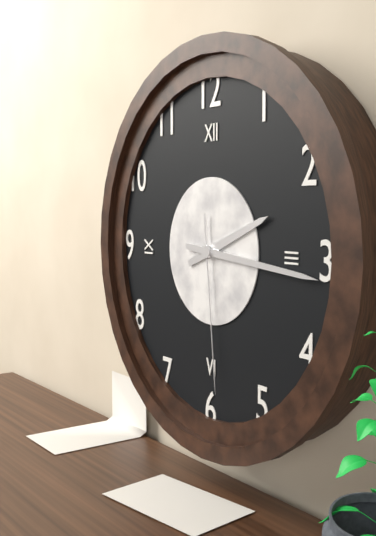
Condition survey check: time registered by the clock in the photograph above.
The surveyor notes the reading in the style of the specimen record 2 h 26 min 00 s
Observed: 2 h 16 min 29 s
